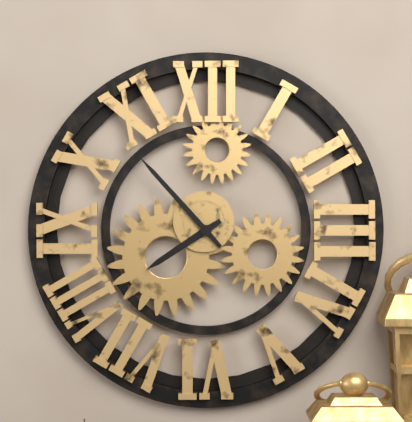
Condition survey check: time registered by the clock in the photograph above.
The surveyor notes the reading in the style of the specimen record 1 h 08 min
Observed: 7 h 53 min
